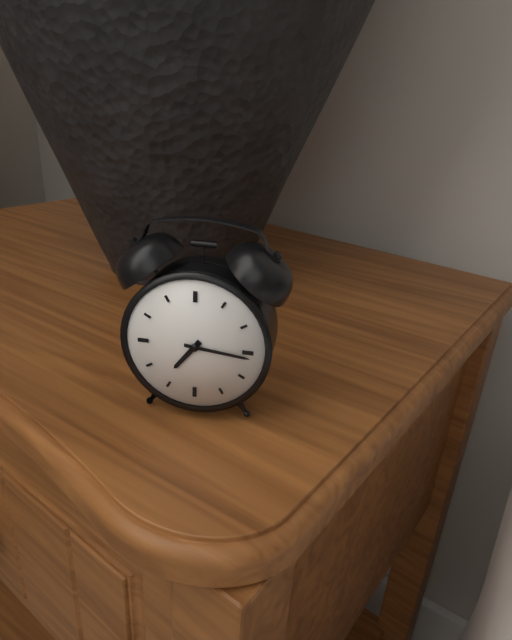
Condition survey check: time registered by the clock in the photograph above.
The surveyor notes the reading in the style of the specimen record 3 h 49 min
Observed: 7 h 16 min
